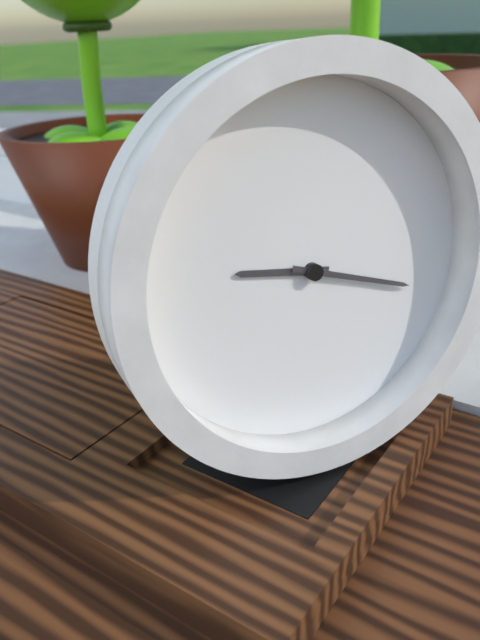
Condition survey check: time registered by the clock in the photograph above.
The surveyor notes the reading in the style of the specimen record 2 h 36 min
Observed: 9 h 18 min
